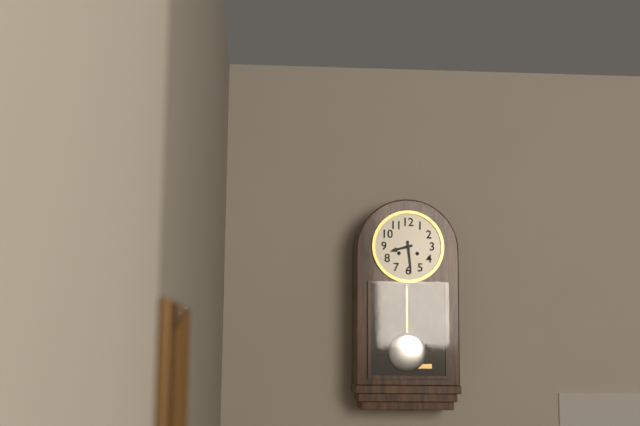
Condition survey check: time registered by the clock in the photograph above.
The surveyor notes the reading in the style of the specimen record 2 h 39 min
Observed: 8 h 29 min
